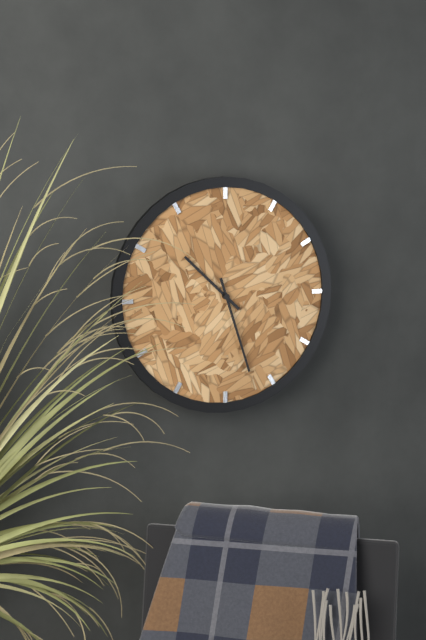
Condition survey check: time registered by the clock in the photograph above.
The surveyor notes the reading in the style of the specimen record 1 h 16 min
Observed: 10 h 27 min
